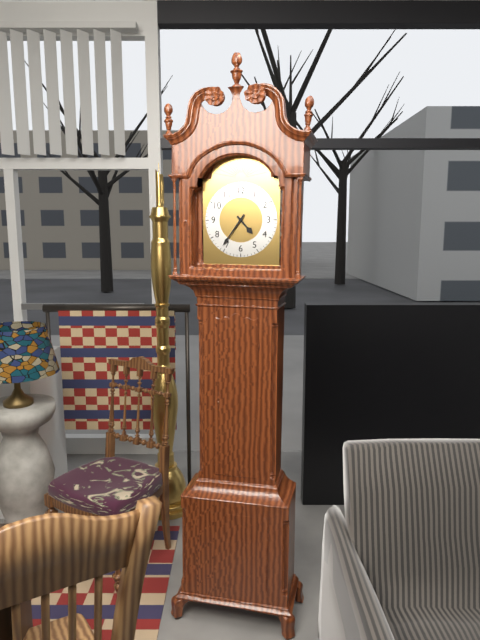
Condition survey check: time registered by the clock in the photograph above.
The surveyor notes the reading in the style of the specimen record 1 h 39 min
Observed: 4 h 36 min
